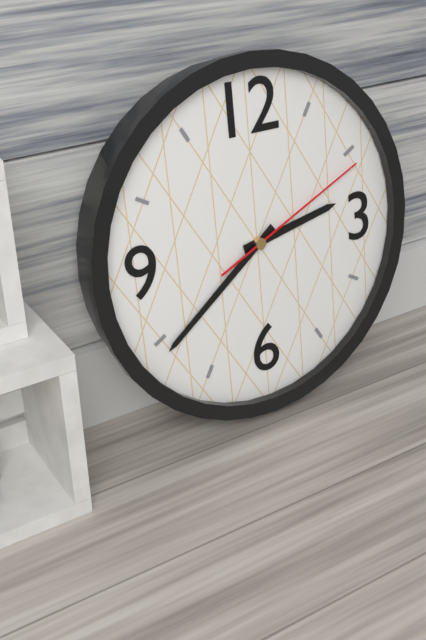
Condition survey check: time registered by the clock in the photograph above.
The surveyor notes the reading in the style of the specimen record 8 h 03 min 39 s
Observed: 2 h 39 min 11 s
